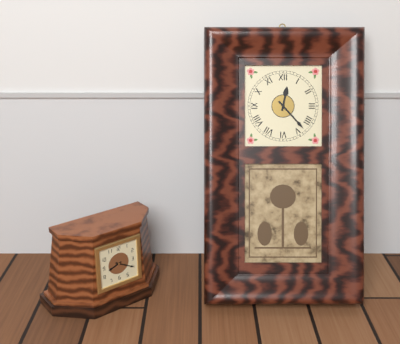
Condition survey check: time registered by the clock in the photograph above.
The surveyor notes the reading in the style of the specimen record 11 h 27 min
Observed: 12 h 23 min
